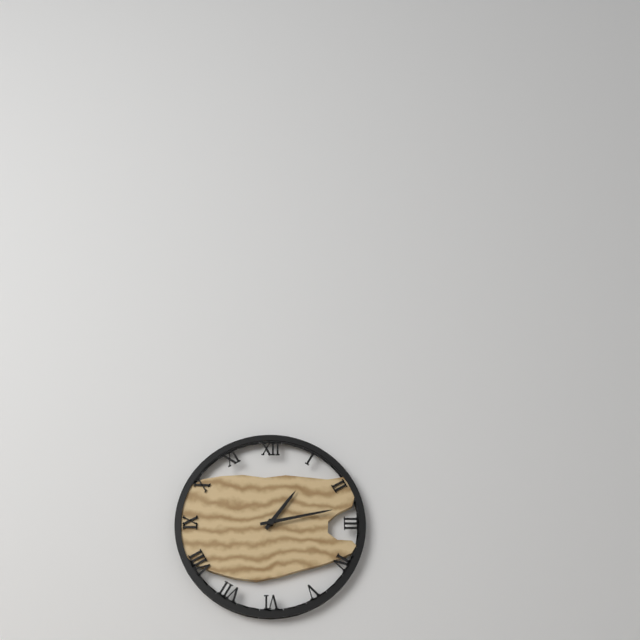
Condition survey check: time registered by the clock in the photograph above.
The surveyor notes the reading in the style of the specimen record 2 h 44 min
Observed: 1 h 13 min
